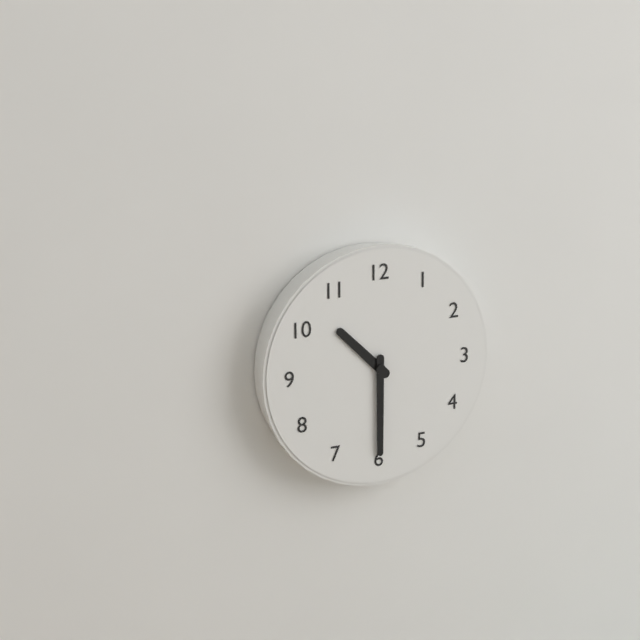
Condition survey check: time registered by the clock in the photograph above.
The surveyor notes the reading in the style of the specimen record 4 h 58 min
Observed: 10 h 30 min
